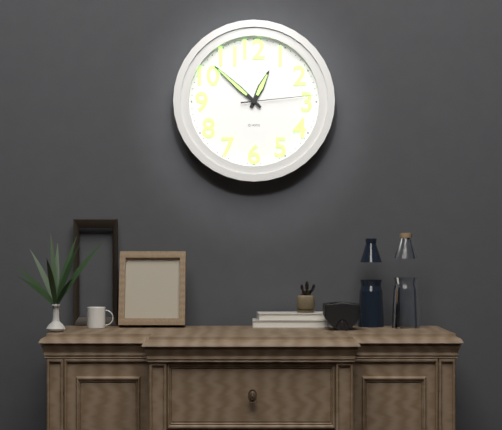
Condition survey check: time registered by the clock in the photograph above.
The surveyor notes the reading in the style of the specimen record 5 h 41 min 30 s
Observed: 12 h 52 min 14 s
